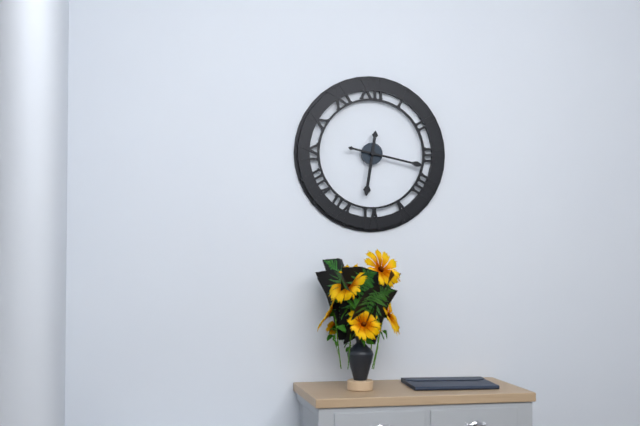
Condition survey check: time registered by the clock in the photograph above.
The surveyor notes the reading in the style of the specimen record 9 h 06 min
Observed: 6 h 17 min
